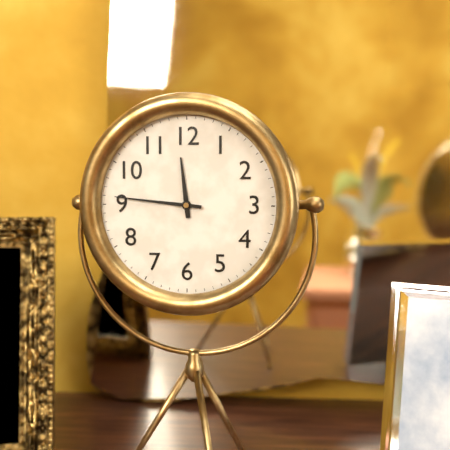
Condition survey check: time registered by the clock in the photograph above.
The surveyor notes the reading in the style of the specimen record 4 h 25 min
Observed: 11 h 46 min
